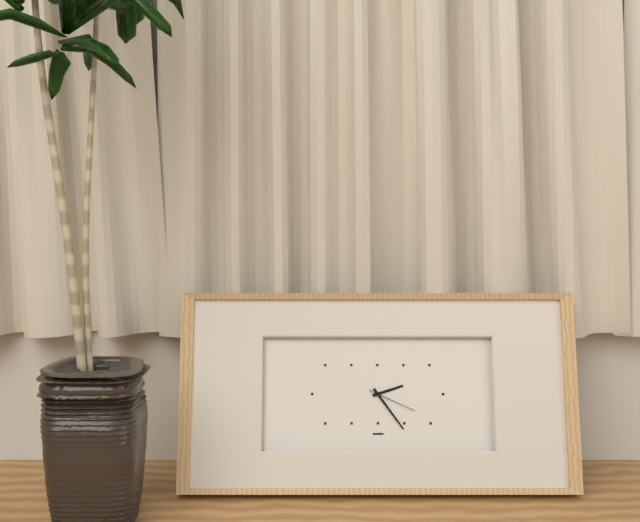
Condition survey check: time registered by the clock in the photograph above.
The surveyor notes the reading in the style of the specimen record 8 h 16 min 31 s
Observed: 2 h 24 min 19 s
